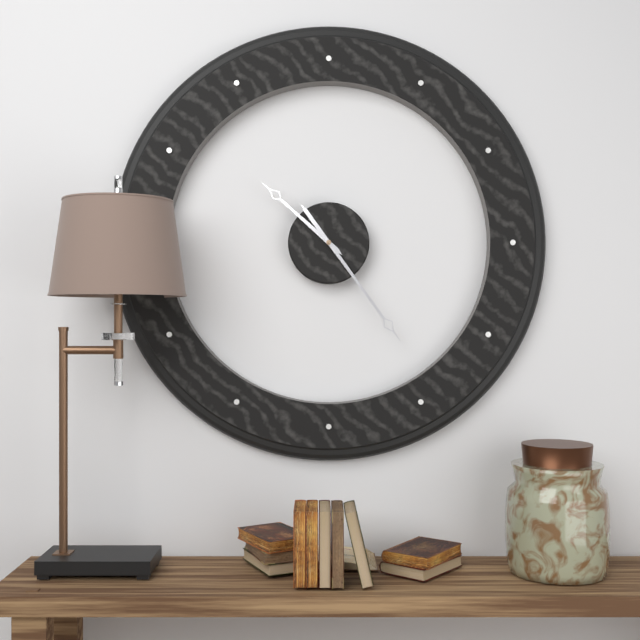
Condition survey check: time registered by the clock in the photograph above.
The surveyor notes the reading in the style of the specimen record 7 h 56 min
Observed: 10 h 24 min
